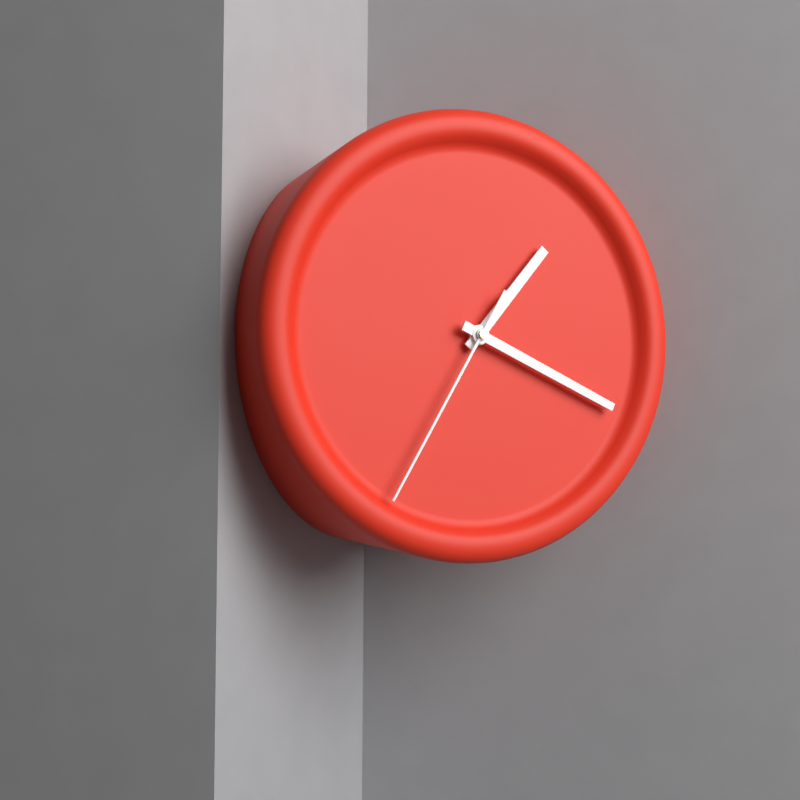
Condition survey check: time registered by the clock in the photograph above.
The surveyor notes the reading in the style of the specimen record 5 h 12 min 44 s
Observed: 1 h 19 min 35 s
